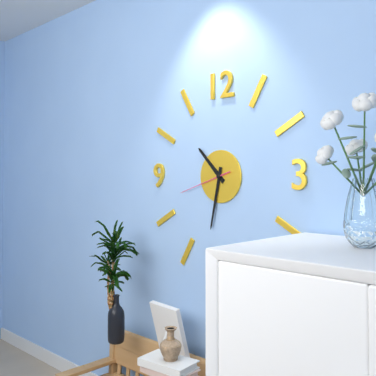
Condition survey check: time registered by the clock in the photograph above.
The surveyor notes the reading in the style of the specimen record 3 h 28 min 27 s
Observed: 10 h 32 min 42 s
